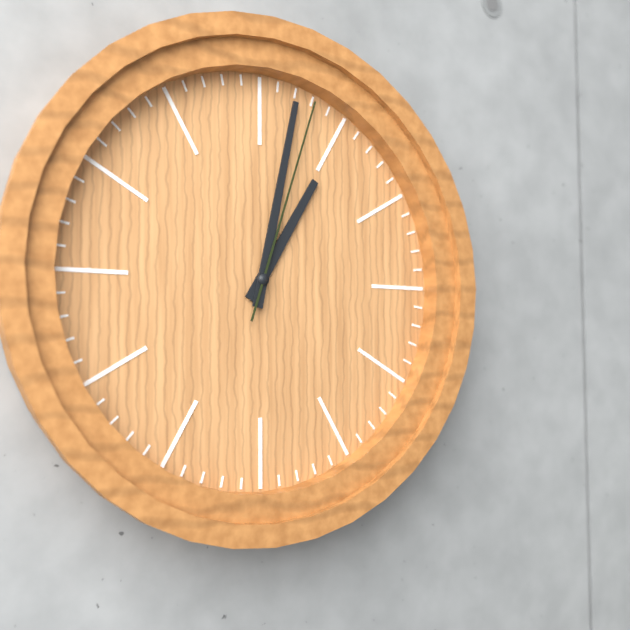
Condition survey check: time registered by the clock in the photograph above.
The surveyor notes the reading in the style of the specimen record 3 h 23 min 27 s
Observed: 1 h 02 min 03 s
